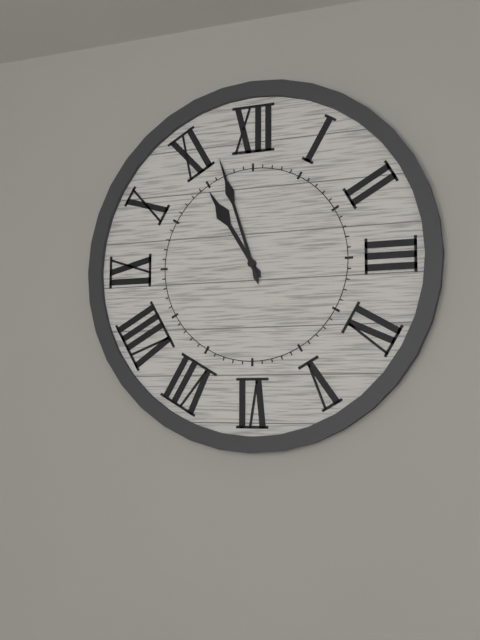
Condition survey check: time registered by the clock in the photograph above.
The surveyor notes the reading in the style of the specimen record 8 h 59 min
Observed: 10 h 57 min
